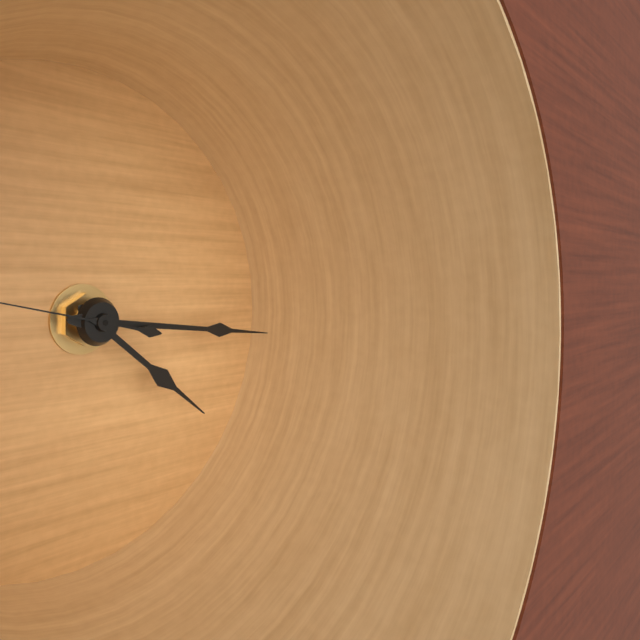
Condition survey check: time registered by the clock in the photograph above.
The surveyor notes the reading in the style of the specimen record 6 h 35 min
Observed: 4 h 16 min
